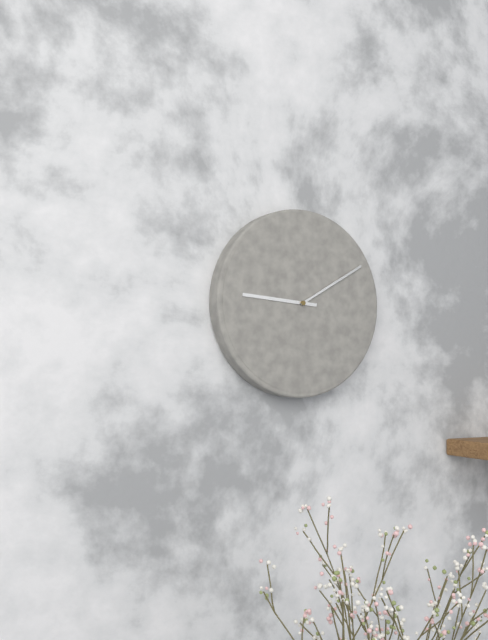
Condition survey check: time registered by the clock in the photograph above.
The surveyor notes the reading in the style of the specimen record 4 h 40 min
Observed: 9 h 10 min
